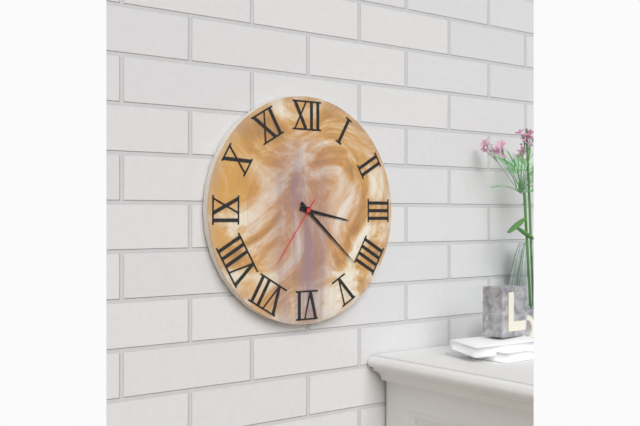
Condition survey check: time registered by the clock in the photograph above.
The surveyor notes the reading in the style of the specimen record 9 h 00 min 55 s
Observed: 3 h 22 min 36 s
